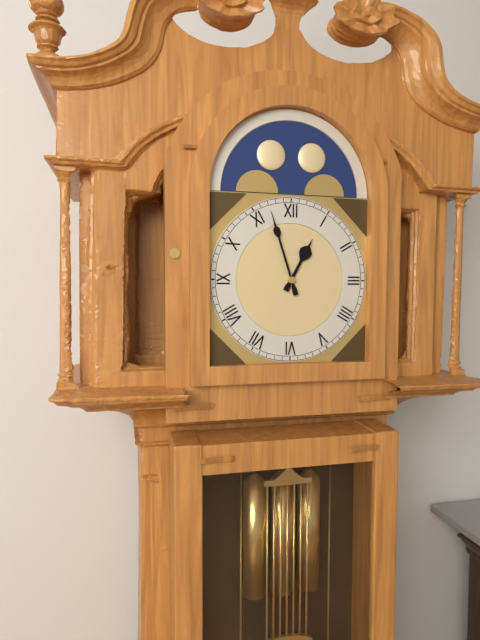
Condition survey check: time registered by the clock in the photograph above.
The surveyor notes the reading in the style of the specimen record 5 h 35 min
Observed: 12 h 57 min
